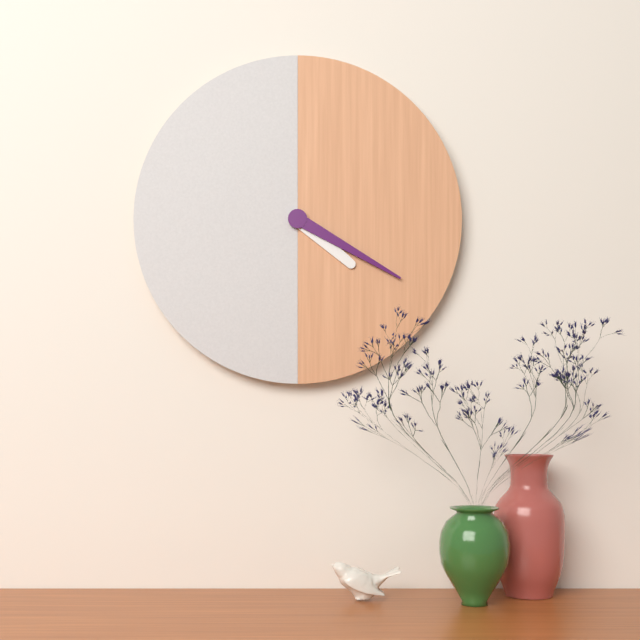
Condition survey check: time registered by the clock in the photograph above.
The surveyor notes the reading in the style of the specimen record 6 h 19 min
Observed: 4 h 20 min
